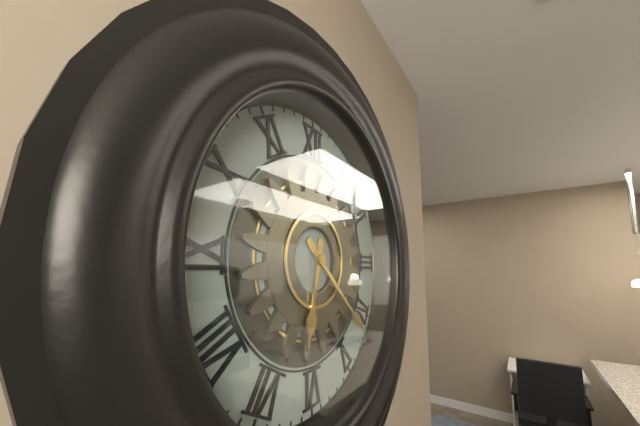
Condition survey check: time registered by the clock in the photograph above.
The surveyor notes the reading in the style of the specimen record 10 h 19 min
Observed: 6 h 22 min
